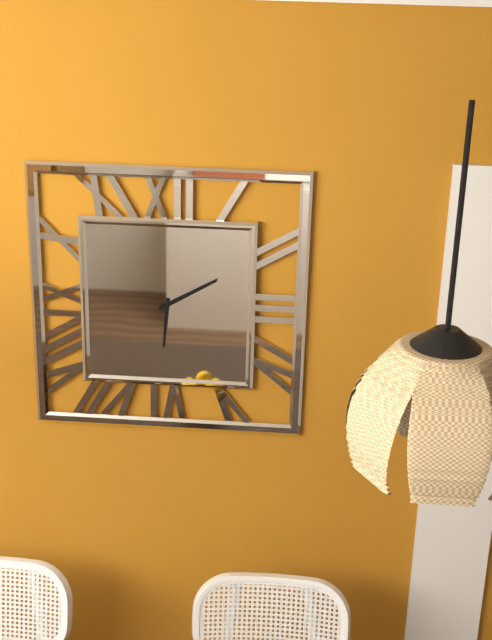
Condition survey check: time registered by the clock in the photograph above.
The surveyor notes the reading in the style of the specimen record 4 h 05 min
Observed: 6 h 10 min
